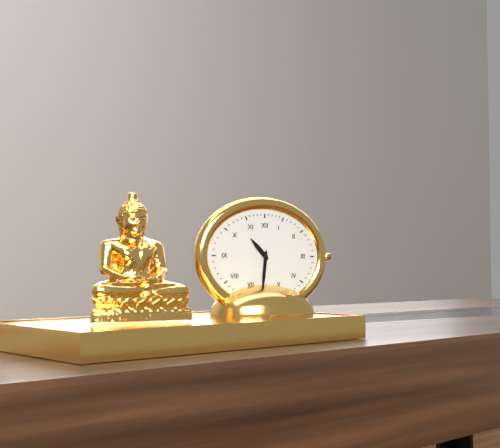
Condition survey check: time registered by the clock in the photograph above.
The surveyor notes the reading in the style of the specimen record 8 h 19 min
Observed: 10 h 31 min
